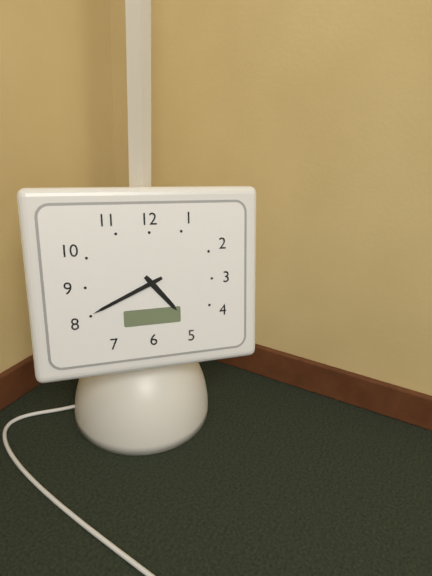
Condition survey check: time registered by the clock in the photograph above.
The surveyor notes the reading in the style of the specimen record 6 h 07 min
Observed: 4 h 41 min
